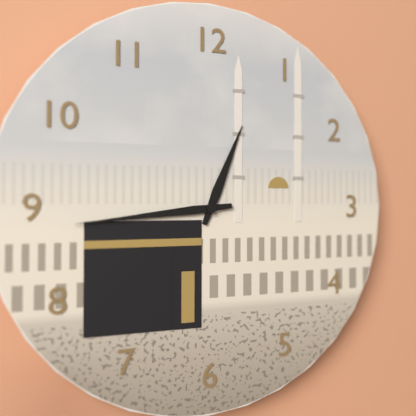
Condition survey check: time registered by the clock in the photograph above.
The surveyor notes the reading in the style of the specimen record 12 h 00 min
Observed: 12 h 44 min
